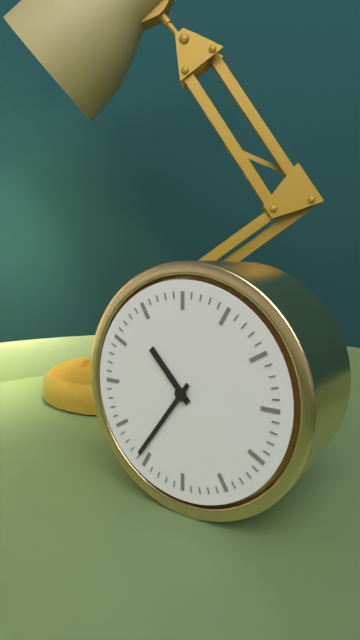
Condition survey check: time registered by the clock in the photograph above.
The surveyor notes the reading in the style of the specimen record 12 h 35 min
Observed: 10 h 36 min
